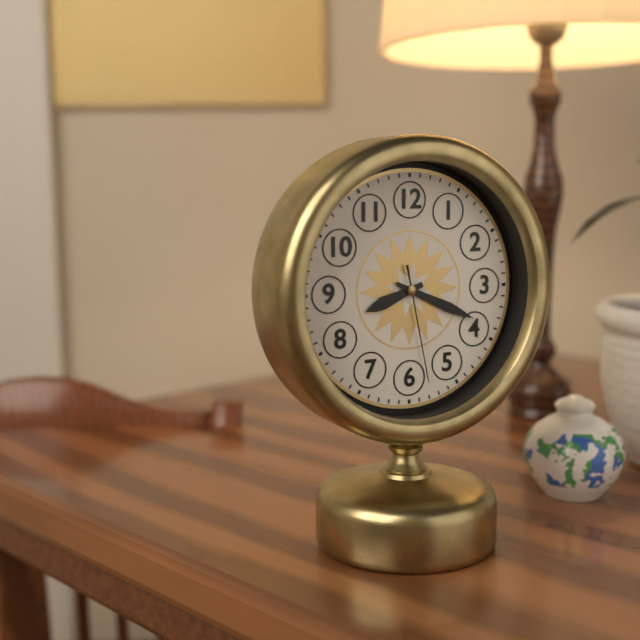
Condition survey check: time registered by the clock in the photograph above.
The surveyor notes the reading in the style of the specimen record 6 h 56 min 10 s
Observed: 8 h 19 min 28 s
